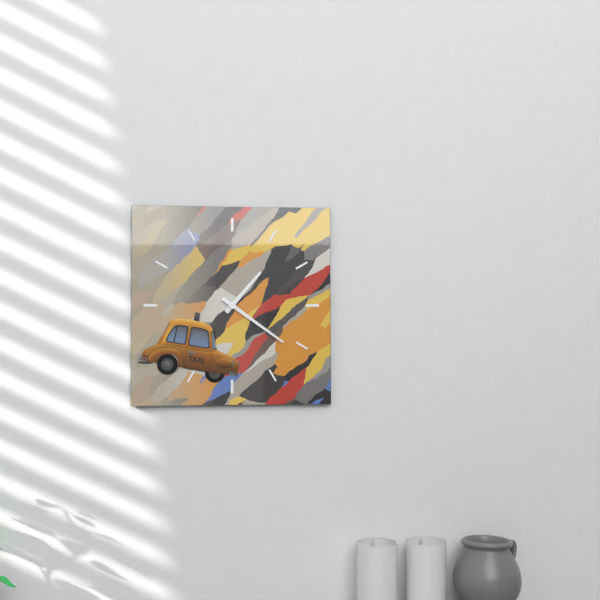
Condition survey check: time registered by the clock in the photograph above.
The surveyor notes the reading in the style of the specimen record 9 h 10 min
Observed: 1 h 21 min
